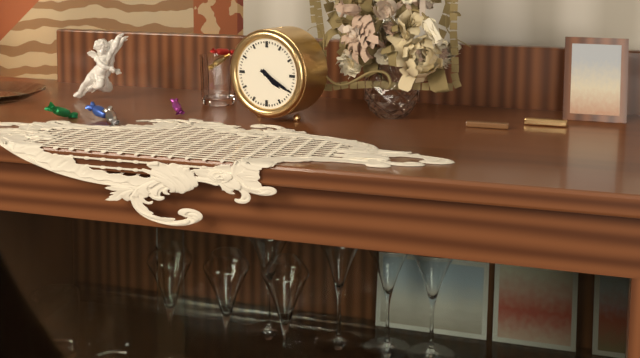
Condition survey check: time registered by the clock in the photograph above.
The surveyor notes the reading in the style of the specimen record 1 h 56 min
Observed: 4 h 20 min
